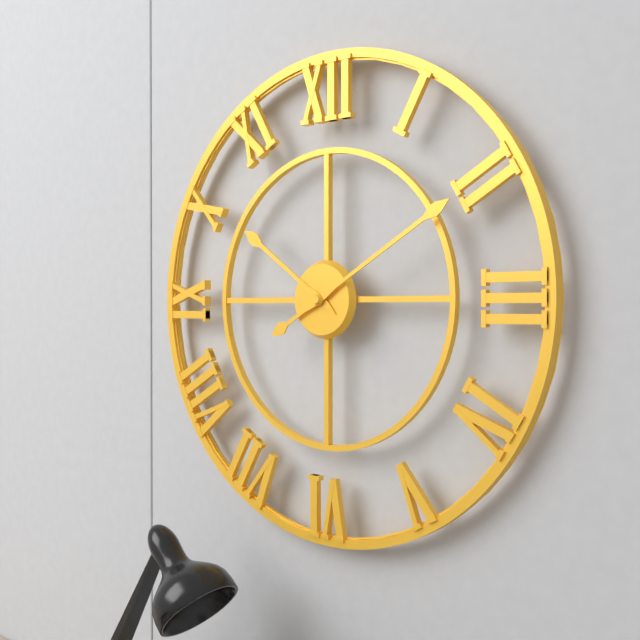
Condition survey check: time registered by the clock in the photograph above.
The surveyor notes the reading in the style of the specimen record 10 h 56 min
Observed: 10 h 10 min
